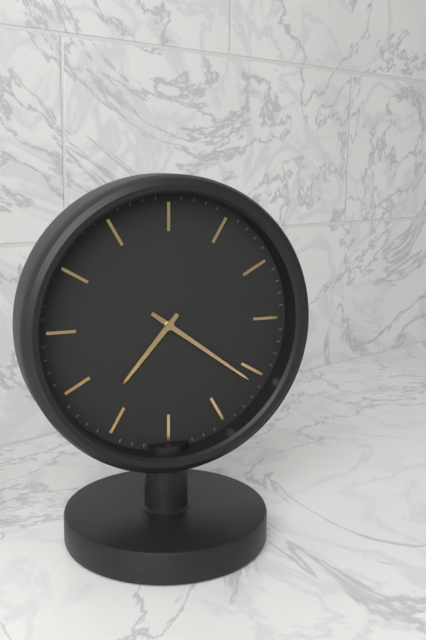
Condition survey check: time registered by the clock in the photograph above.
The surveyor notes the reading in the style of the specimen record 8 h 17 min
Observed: 7 h 21 min
